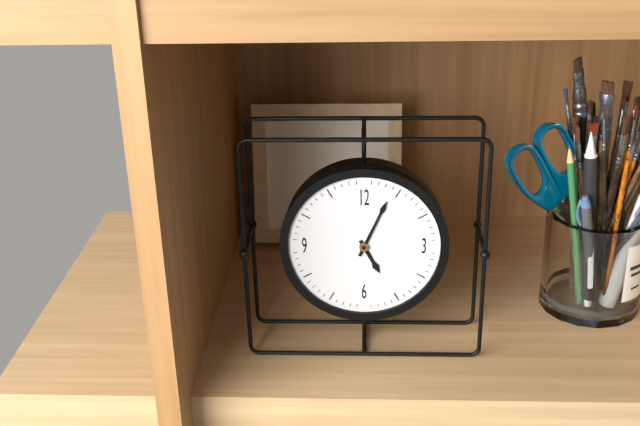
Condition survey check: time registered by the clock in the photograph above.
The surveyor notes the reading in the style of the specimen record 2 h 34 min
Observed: 5 h 04 min
